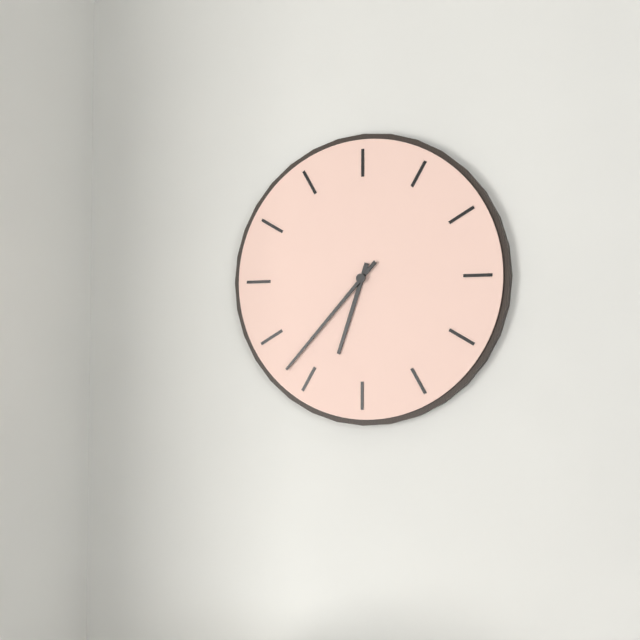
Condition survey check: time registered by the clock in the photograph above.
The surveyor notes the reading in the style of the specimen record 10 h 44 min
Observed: 6 h 37 min
